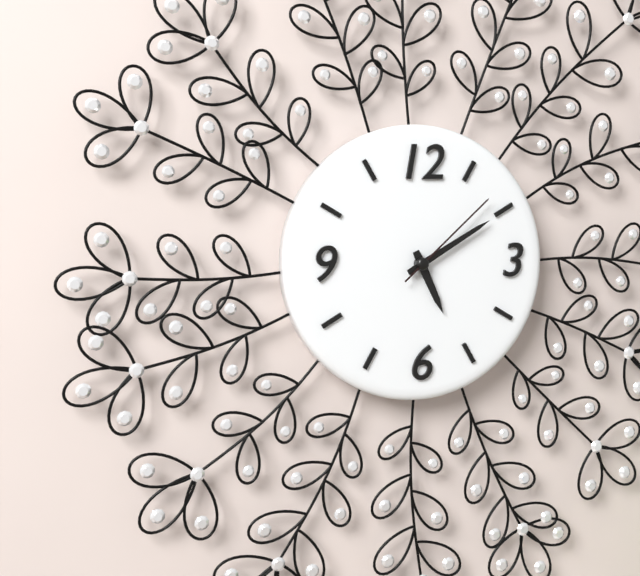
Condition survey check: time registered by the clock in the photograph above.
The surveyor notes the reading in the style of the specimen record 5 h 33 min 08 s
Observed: 5 h 10 min 08 s
